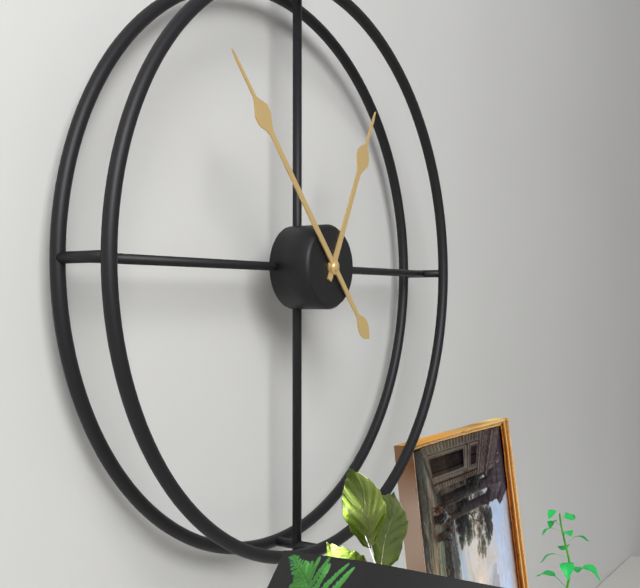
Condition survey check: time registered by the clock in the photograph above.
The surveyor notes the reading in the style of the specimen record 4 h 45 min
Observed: 12 h 53 min
